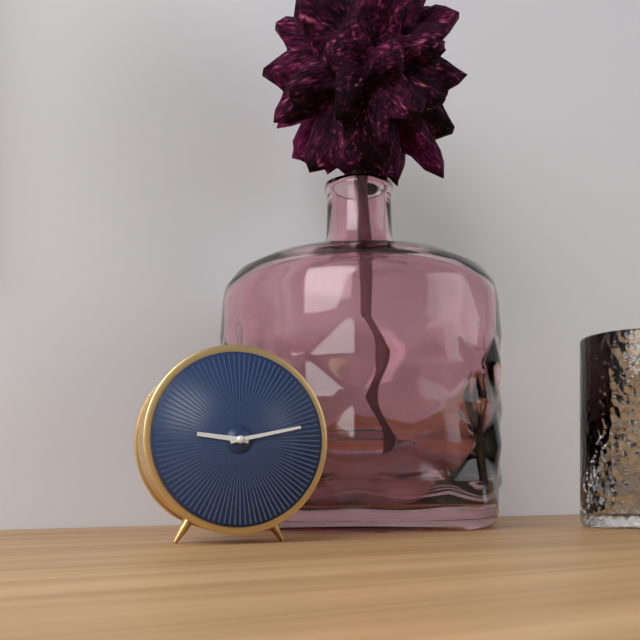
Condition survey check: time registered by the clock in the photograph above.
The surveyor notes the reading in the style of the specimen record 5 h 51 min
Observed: 9 h 13 min
